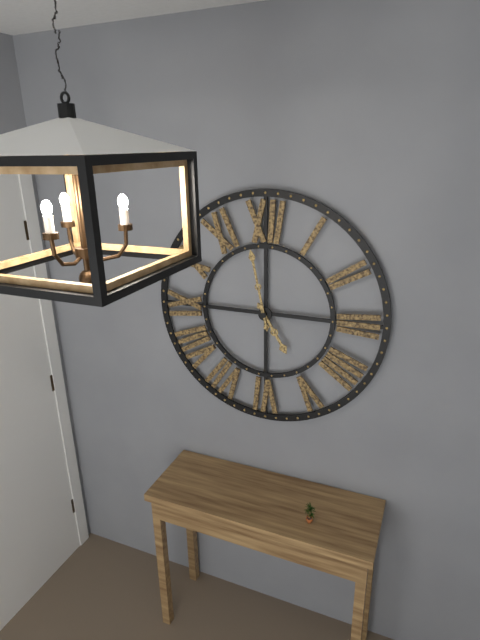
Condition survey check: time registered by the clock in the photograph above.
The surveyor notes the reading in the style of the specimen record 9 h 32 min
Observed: 4 h 58 min
